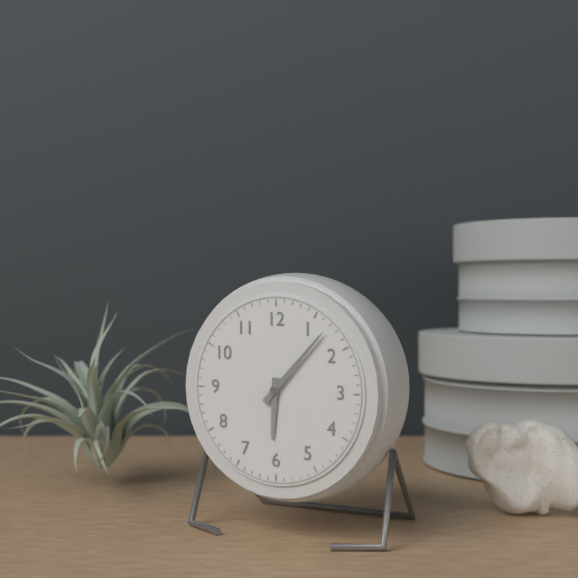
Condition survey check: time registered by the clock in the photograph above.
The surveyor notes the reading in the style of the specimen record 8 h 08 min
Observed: 6 h 07 min
